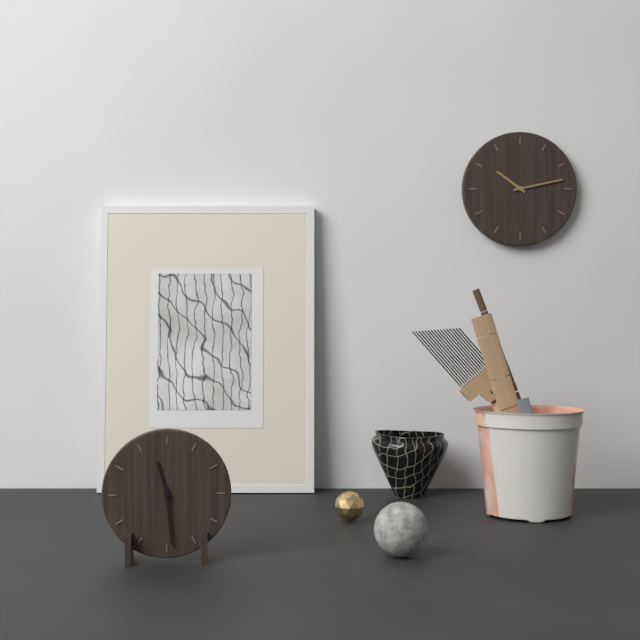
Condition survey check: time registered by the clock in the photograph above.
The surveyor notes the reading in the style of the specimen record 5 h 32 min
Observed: 11 h 29 min
